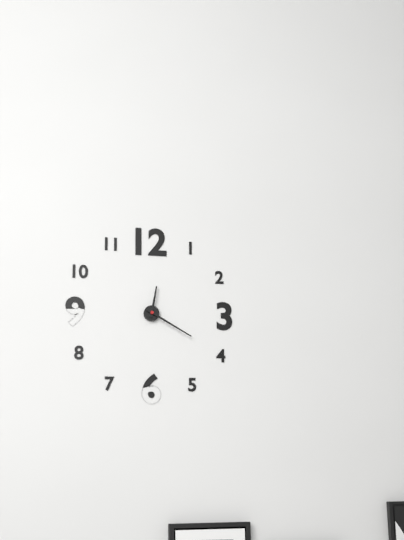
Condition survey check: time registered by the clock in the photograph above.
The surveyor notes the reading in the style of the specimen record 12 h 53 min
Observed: 12 h 20 min
